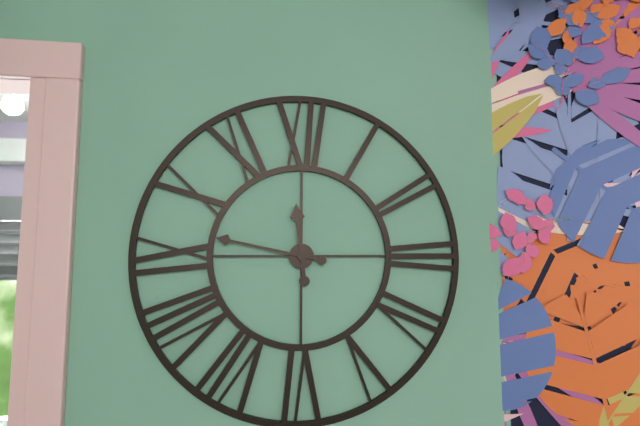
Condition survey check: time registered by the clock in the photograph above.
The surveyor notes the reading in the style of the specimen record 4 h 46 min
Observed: 11 h 47 min
